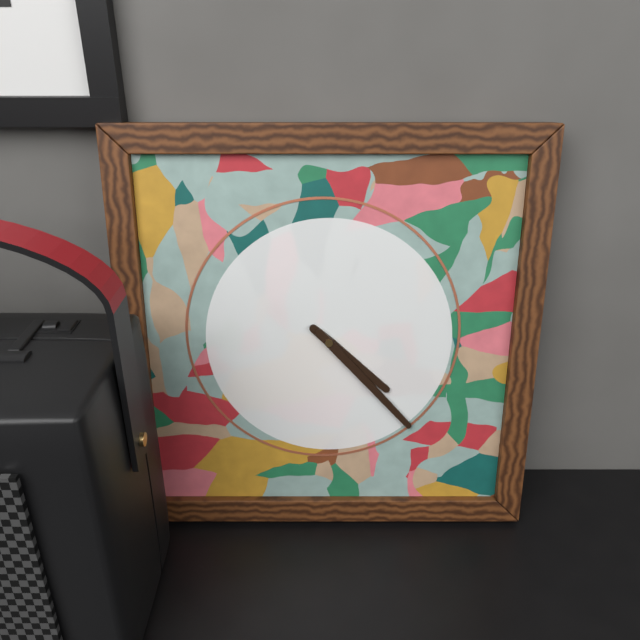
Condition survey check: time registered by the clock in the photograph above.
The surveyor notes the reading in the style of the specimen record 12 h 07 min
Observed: 4 h 23 min
